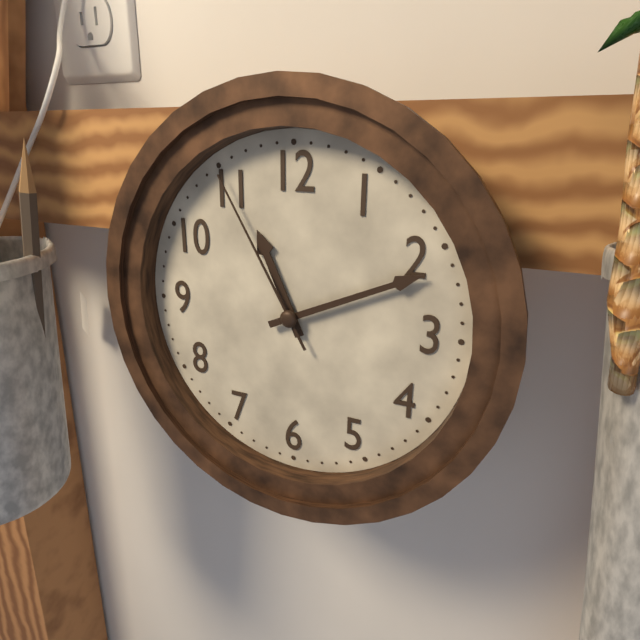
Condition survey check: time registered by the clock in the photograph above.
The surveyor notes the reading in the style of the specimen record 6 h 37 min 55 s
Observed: 11 h 11 min 55 s
